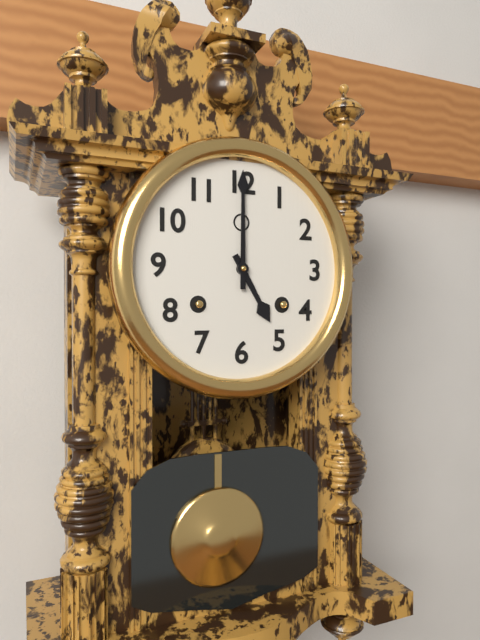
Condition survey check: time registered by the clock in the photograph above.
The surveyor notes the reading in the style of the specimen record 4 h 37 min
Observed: 5 h 00 min
